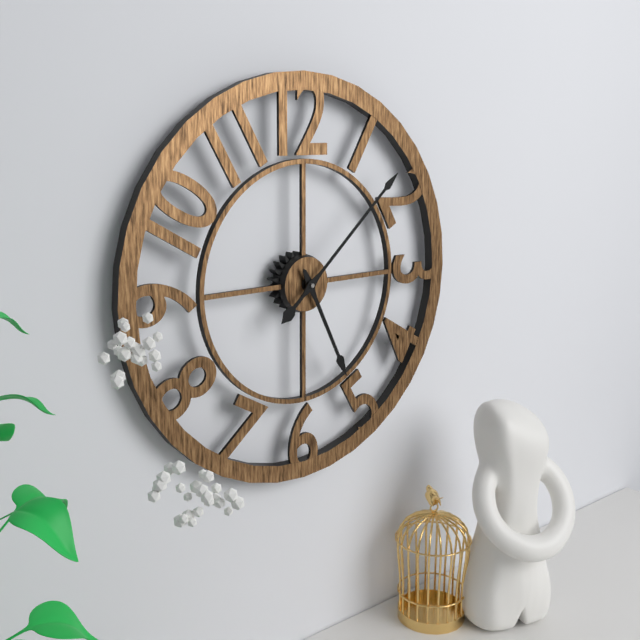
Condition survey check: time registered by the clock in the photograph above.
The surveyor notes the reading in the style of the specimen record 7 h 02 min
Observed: 5 h 08 min
